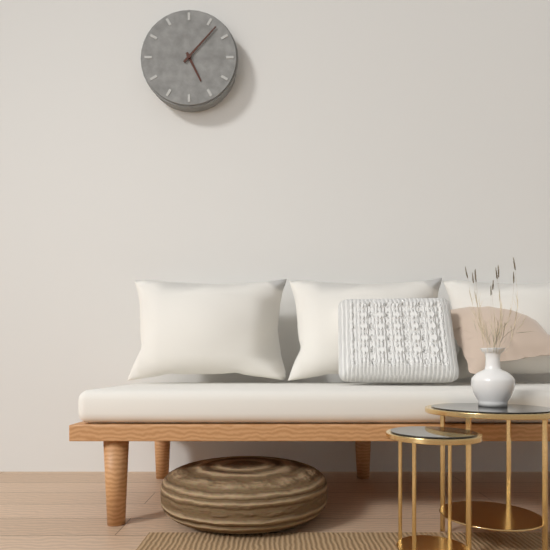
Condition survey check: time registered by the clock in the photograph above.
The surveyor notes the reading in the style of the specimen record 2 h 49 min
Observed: 5 h 07 min
